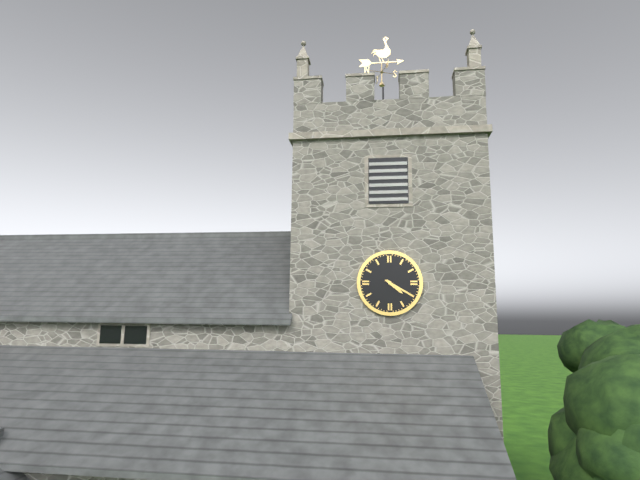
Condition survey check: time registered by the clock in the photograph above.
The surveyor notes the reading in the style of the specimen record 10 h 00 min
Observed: 4 h 20 min
